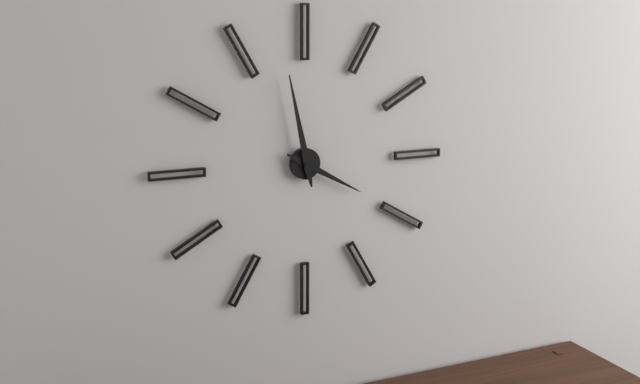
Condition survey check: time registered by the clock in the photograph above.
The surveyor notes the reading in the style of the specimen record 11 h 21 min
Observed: 3 h 58 min
